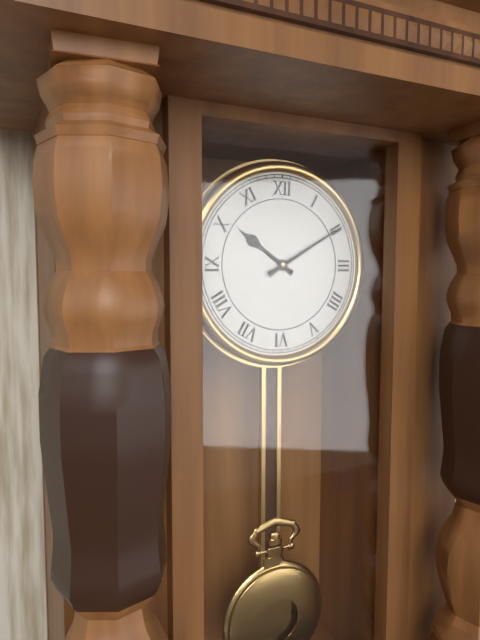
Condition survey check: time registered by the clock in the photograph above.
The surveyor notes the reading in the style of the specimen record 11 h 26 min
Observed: 10 h 10 min
